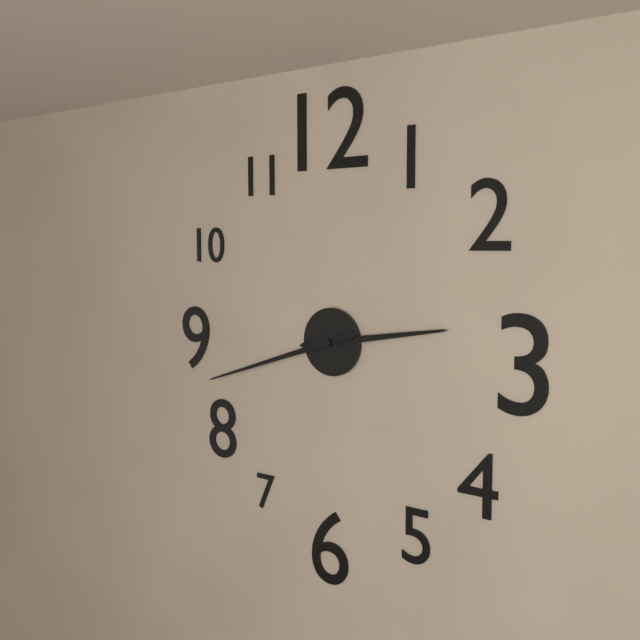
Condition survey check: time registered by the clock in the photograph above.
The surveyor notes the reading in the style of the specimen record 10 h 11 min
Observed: 2 h 42 min
